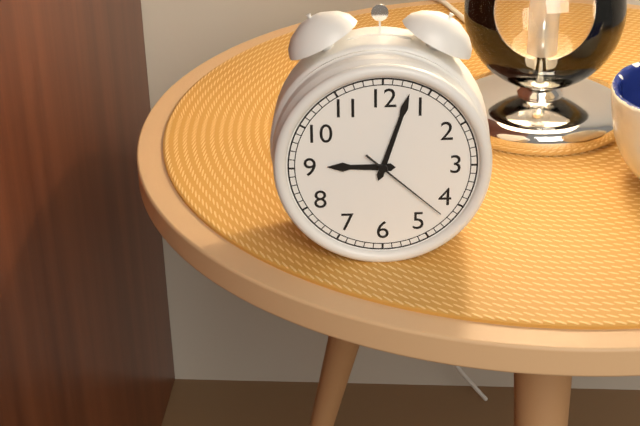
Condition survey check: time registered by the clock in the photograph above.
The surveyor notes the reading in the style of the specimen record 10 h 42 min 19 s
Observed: 9 h 03 min 22 s
